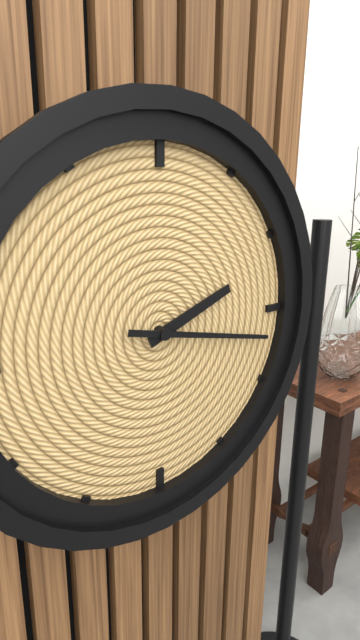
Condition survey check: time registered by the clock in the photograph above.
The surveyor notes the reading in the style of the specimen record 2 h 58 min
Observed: 2 h 17 min
